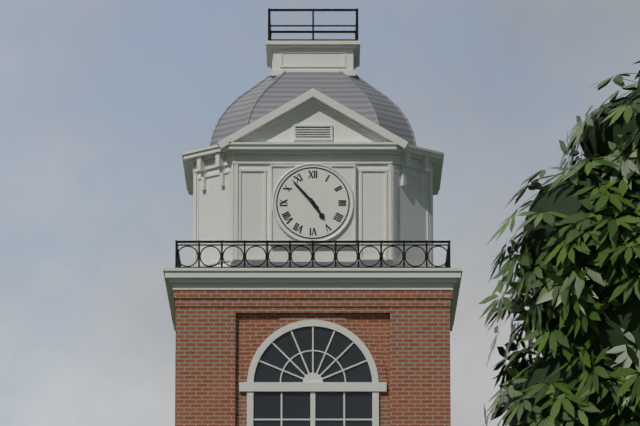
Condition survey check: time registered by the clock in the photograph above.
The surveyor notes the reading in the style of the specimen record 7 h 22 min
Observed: 4 h 53 min
